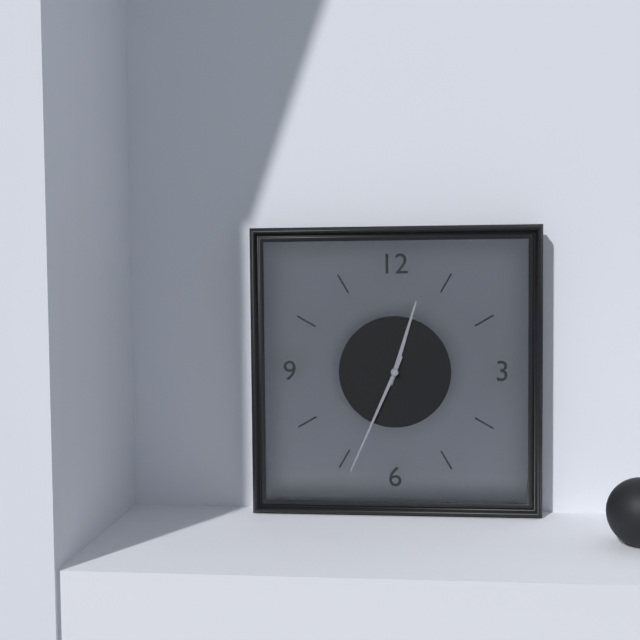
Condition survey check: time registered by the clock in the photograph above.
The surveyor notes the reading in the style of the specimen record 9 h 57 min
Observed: 12 h 34 min
